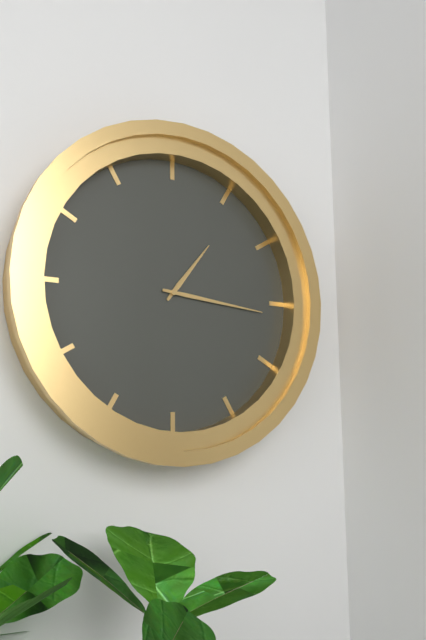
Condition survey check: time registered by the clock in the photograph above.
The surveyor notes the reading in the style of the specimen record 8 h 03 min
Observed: 1 h 16 min
